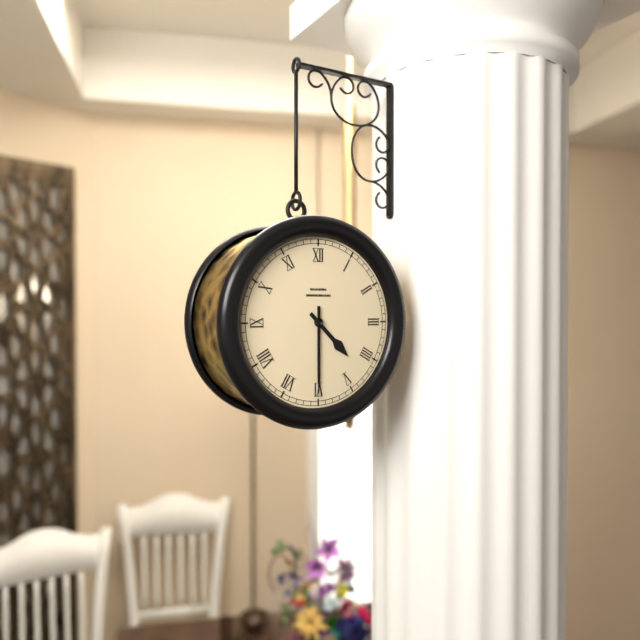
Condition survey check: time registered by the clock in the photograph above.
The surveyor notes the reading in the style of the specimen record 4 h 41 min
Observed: 4 h 30 min
